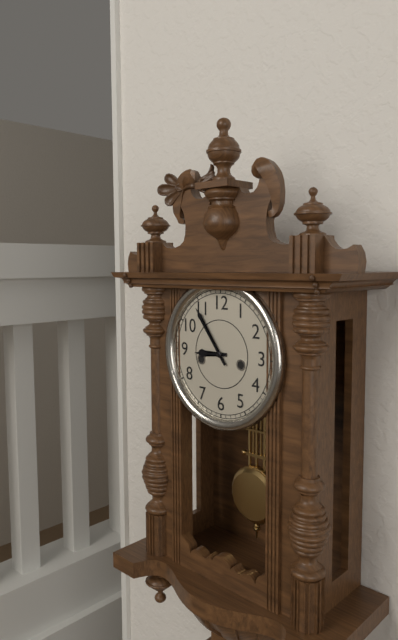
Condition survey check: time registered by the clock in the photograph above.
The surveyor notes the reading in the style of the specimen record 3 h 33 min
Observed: 8 h 54 min
